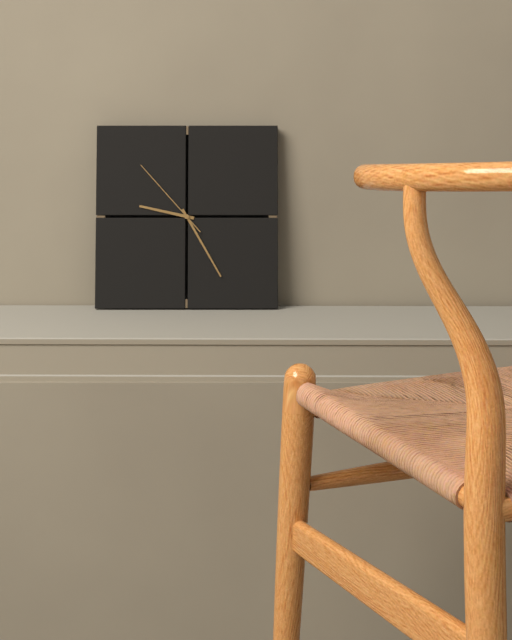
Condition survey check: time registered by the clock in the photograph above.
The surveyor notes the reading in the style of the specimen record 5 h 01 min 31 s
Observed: 9 h 25 min 53 s
